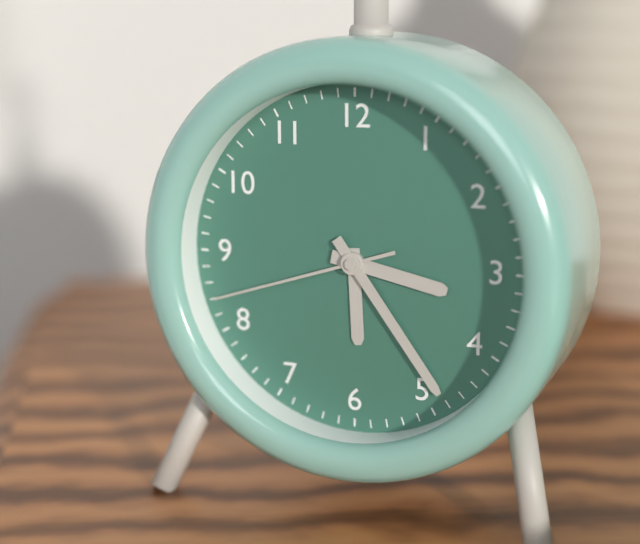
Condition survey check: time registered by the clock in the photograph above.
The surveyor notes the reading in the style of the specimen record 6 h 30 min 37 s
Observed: 3 h 24 min 42 s
